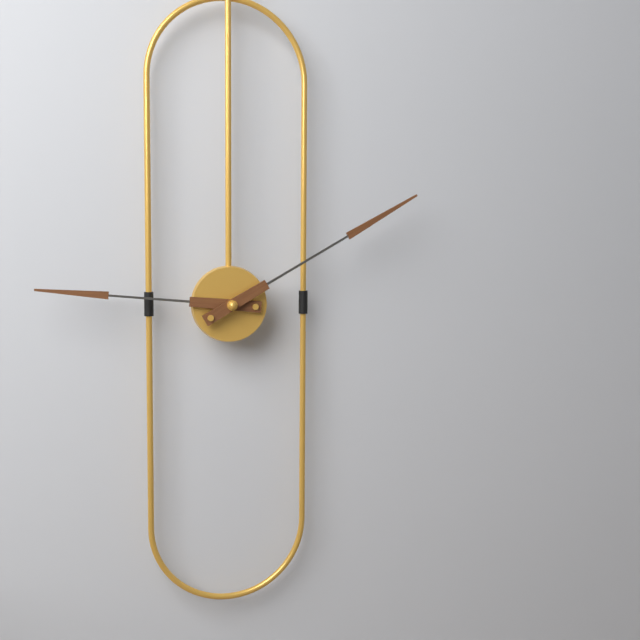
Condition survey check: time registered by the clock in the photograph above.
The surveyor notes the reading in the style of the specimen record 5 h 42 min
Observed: 9 h 10 min
